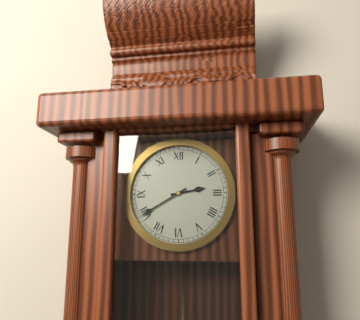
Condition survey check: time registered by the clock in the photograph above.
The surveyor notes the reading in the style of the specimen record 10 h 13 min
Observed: 2 h 40 min
